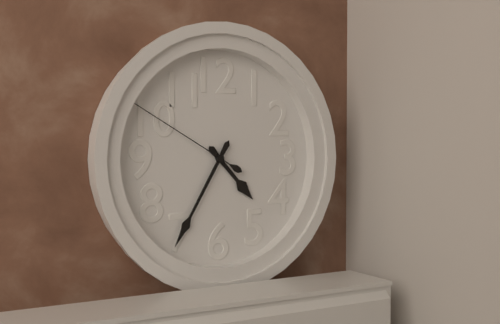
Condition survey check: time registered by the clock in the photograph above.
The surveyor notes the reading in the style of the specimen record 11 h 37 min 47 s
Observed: 4 h 35 min 50 s
